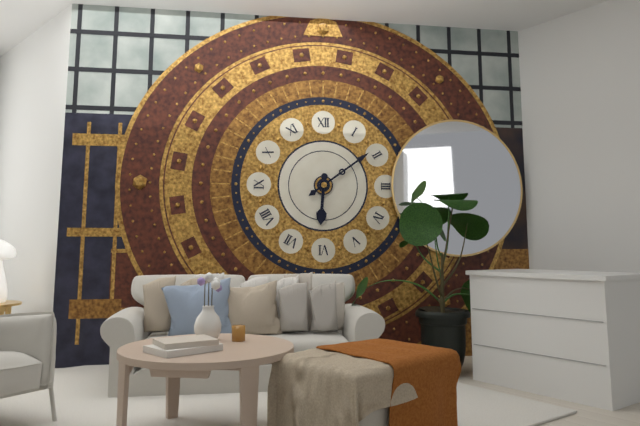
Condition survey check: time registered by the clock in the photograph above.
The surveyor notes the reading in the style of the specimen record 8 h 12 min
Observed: 6 h 09 min
